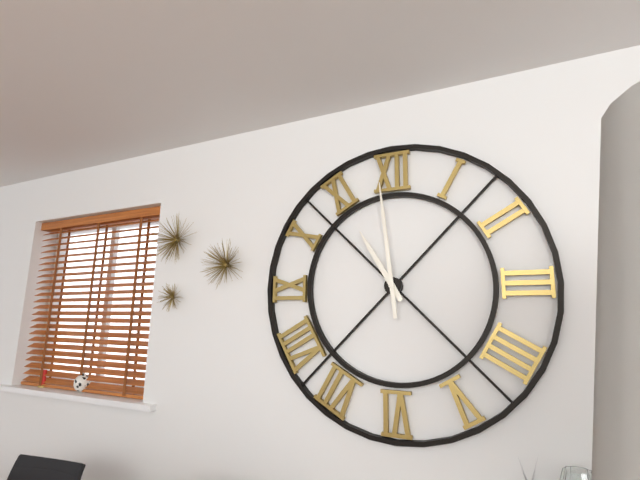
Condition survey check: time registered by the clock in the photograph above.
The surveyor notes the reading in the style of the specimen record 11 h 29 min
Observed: 10 h 59 min
